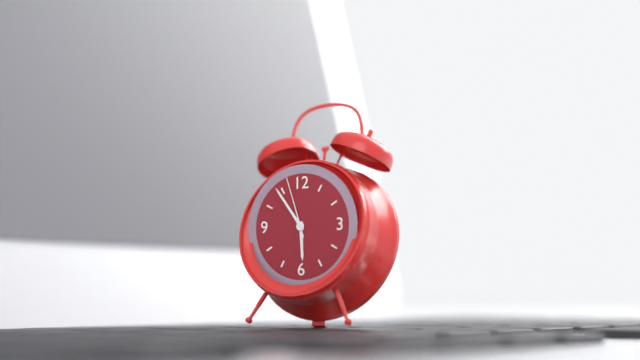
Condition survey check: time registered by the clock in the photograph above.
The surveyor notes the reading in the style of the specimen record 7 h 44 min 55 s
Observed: 5 h 54 min 57 s
